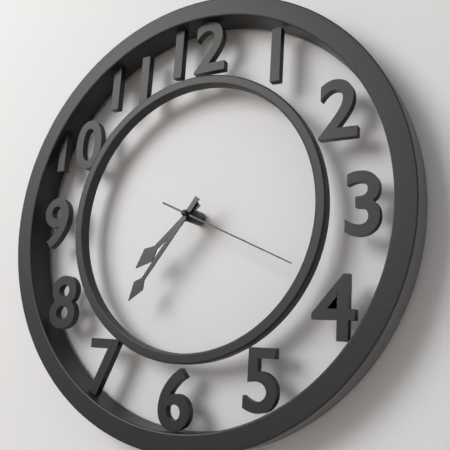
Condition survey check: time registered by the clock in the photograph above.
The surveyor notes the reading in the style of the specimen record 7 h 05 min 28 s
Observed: 7 h 36 min 19 s
